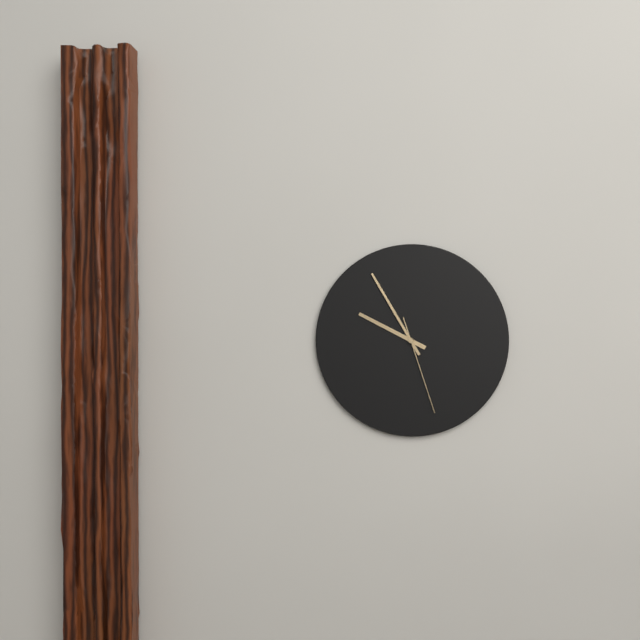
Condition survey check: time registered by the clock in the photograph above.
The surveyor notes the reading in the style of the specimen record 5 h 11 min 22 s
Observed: 9 h 55 min 27 s
